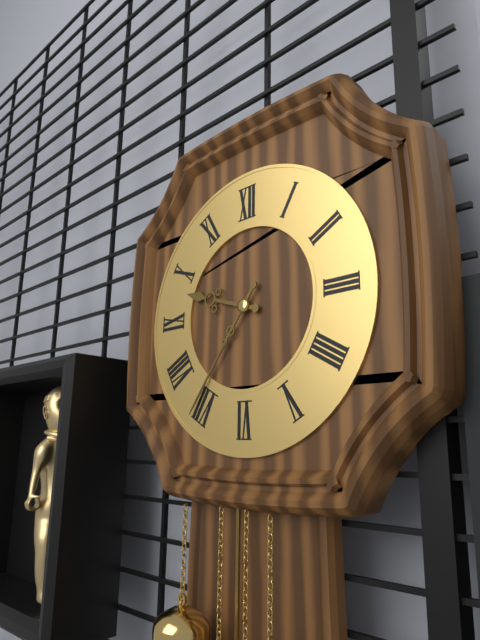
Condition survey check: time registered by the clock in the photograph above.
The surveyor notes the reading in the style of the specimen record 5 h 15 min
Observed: 9 h 36 min
